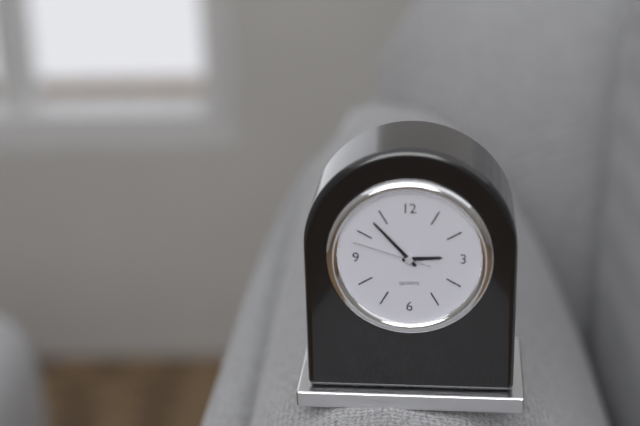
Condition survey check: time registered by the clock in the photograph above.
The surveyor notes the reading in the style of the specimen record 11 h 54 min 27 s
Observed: 2 h 53 min 48 s
